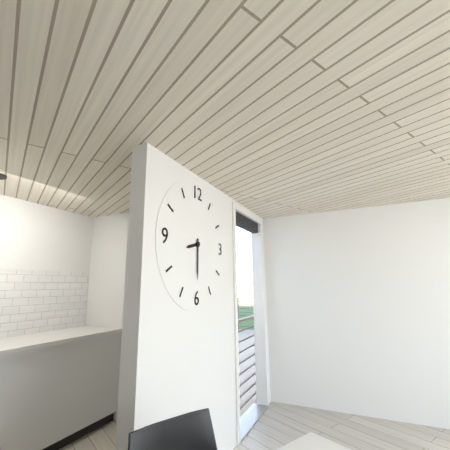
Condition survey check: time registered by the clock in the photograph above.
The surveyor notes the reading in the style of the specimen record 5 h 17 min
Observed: 8 h 30 min
